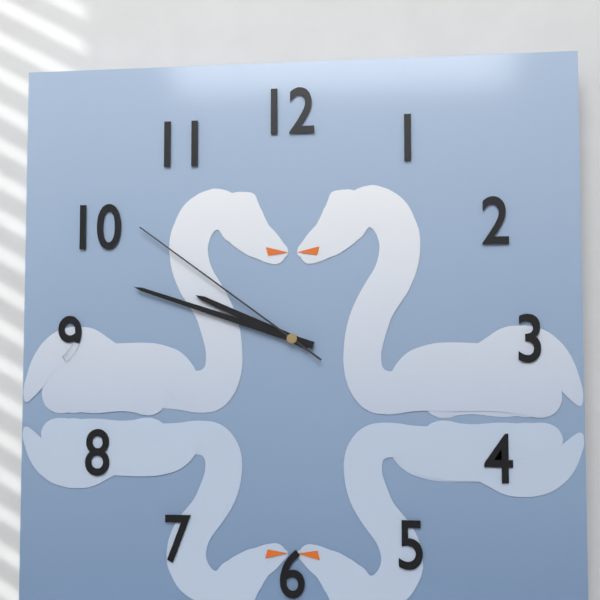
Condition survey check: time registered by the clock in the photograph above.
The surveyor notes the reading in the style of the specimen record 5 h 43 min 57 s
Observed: 9 h 48 min 51 s
